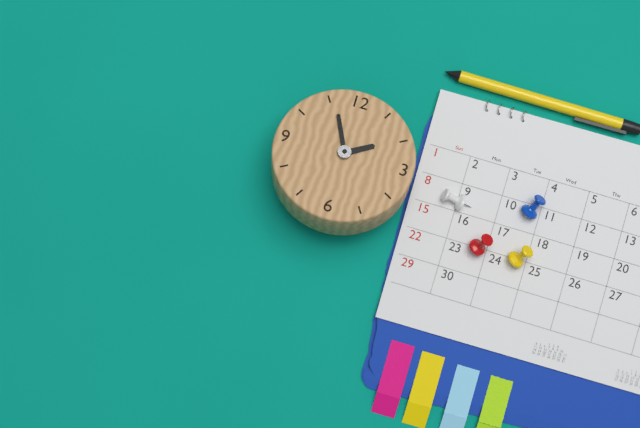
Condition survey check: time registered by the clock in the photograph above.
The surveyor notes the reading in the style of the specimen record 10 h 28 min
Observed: 1 h 56 min
